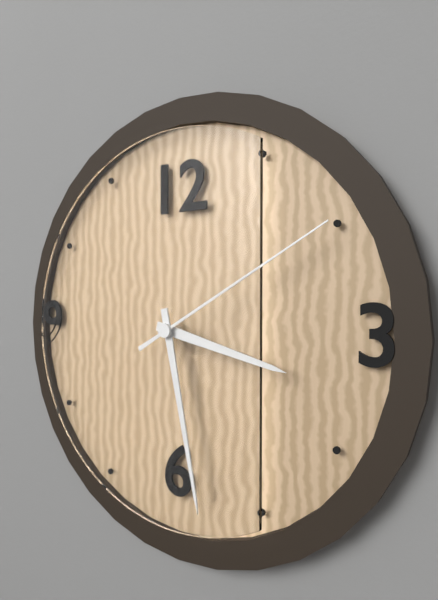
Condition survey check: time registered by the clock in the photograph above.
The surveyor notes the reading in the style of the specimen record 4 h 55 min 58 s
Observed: 3 h 28 min 10 s
